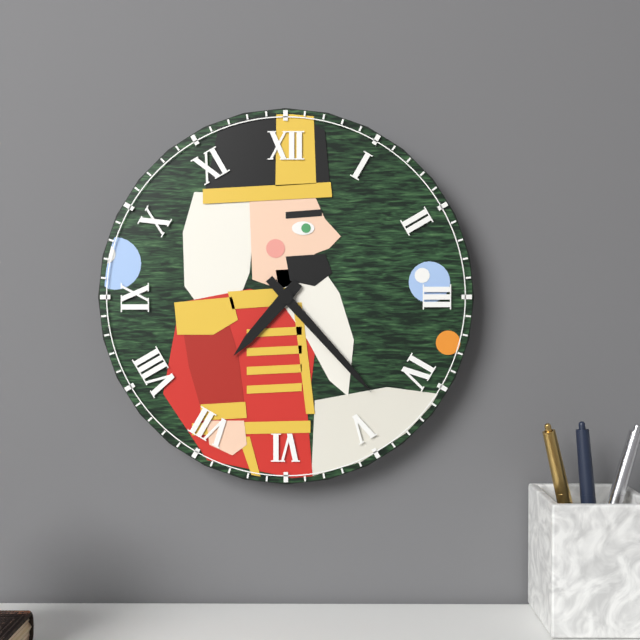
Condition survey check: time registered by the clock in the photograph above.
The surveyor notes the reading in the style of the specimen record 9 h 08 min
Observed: 7 h 23 min
